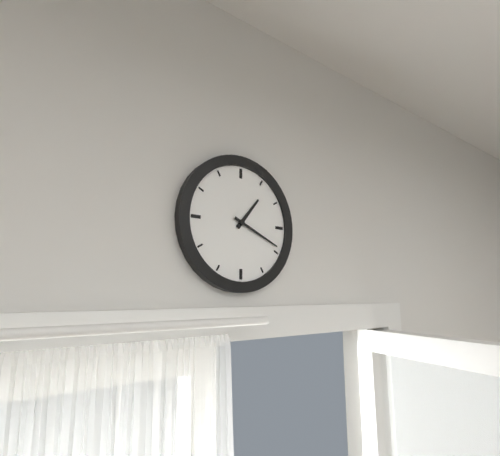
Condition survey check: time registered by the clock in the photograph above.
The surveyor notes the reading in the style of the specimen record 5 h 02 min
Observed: 1 h 19 min
